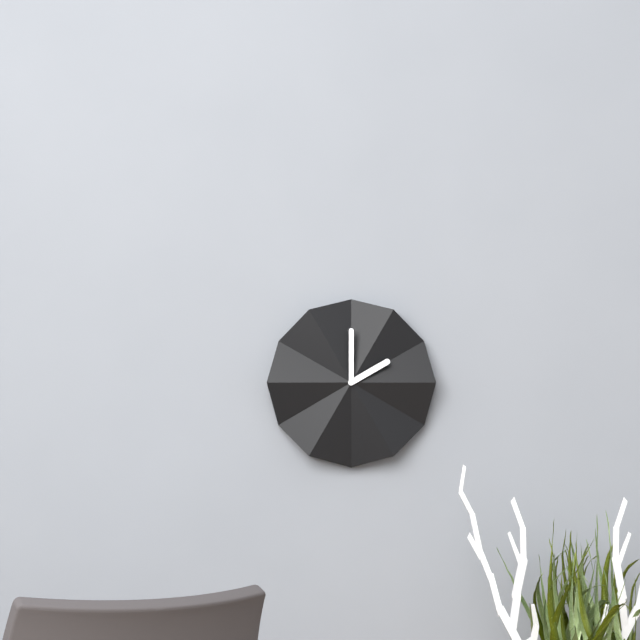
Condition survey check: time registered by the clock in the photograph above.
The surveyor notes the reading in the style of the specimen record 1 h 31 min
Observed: 2 h 00 min
